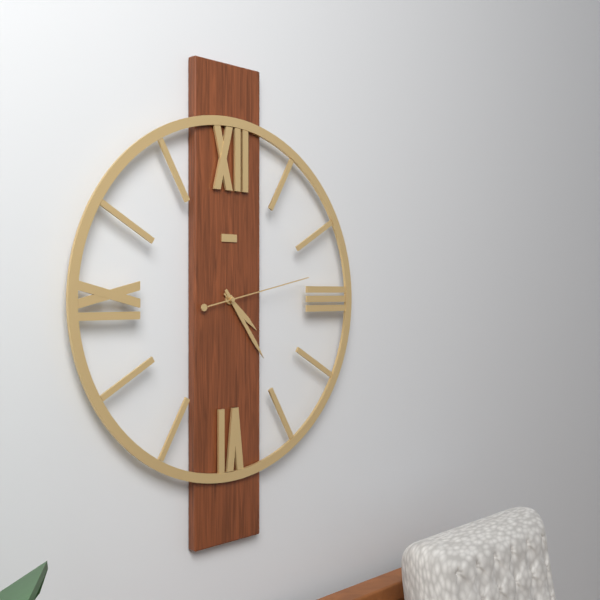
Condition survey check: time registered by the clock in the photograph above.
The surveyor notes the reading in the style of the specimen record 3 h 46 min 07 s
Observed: 4 h 24 min 13 s
